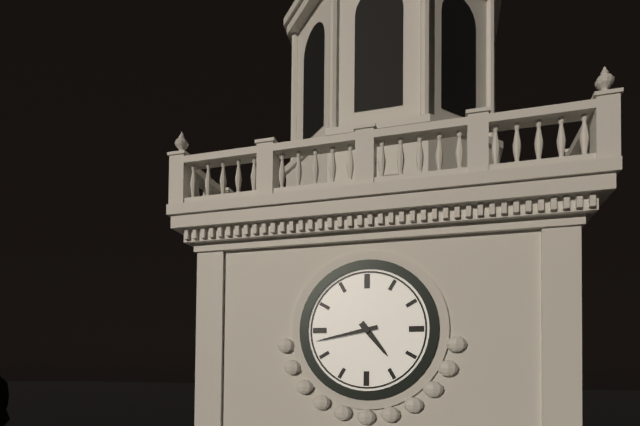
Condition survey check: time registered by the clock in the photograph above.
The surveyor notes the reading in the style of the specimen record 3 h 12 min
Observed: 4 h 43 min
